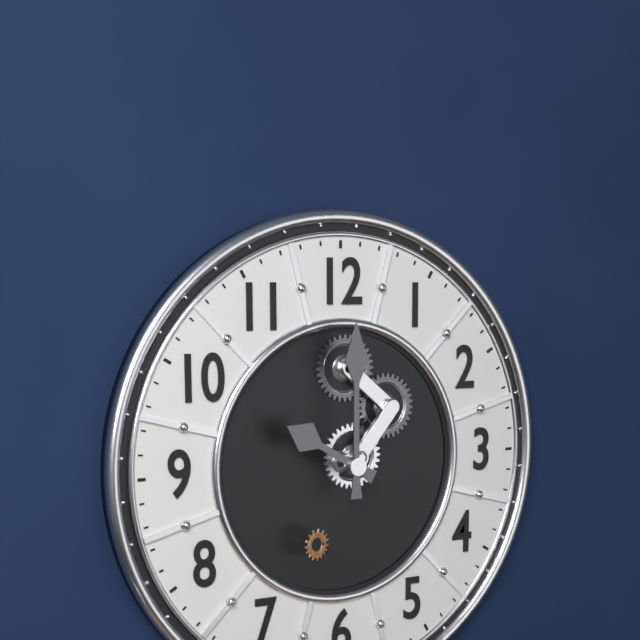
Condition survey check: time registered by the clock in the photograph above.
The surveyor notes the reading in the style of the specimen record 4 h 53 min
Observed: 10 h 00 min
